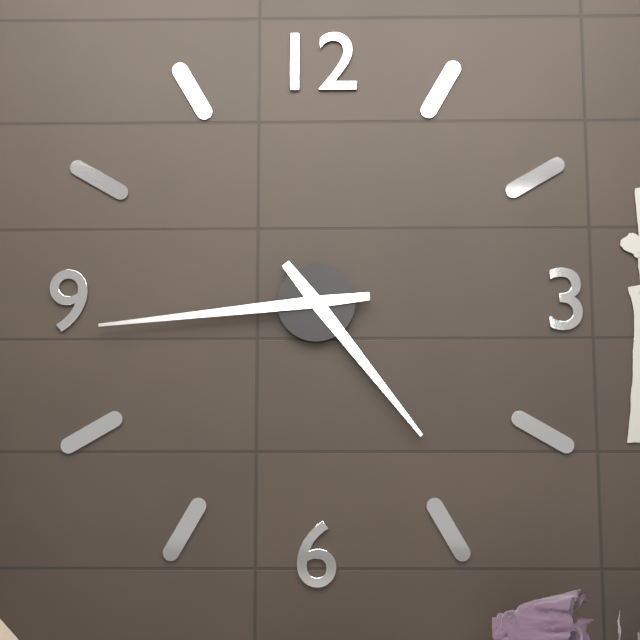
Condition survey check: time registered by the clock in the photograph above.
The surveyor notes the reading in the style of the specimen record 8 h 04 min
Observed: 4 h 44 min
